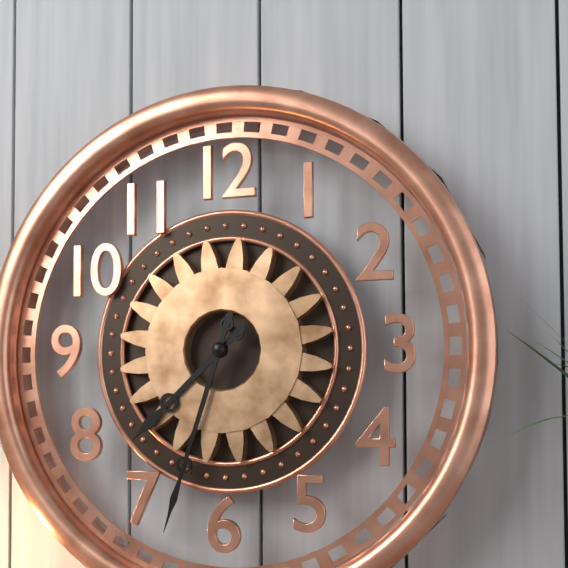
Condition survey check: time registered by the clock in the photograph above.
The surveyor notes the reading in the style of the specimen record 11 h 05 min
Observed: 7 h 33 min
